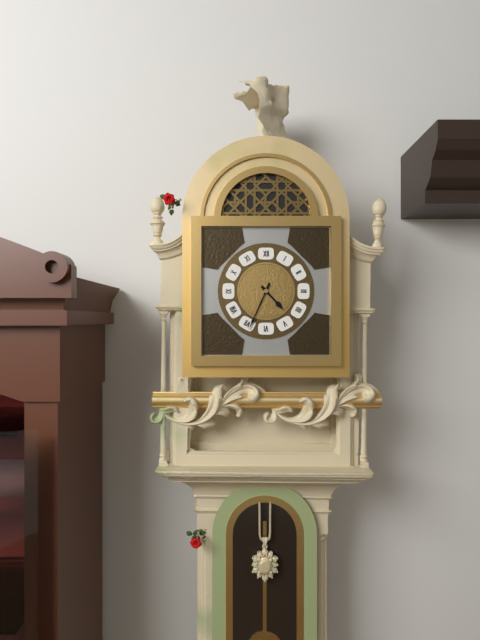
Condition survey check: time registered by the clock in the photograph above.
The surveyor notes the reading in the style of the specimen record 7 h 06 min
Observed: 4 h 34 min
